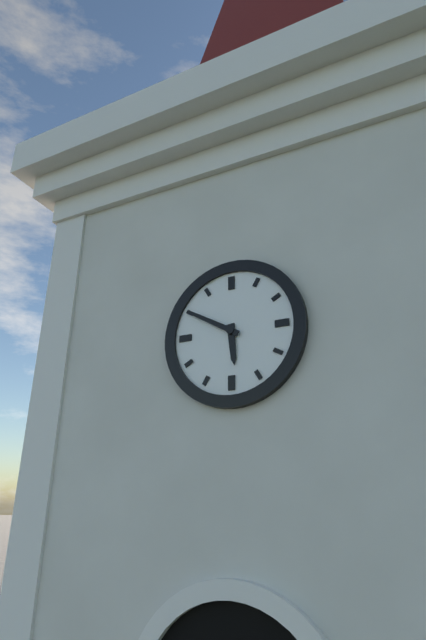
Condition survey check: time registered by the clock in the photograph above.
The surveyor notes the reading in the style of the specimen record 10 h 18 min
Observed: 5 h 50 min
